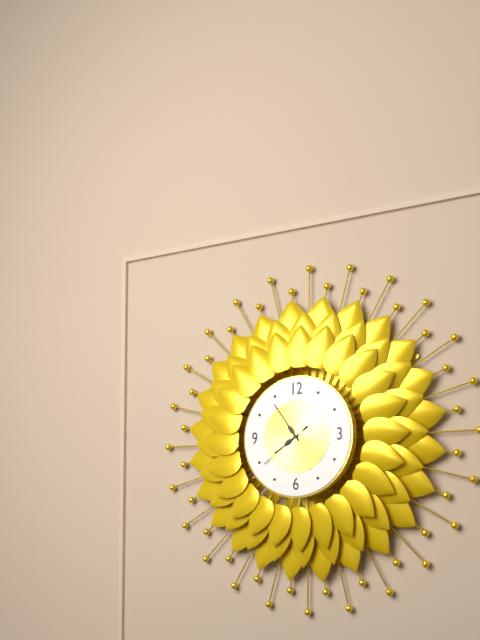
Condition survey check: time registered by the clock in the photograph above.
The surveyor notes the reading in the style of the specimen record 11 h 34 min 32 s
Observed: 7 h 54 min 39 s
